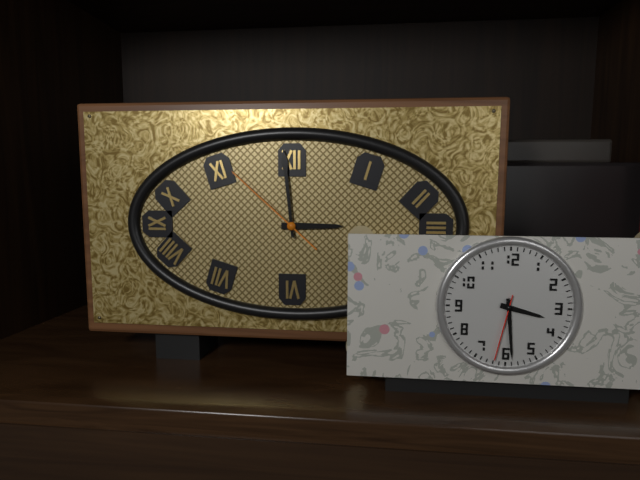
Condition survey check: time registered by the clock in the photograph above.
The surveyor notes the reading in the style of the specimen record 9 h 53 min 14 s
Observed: 2 h 59 min 52 s
